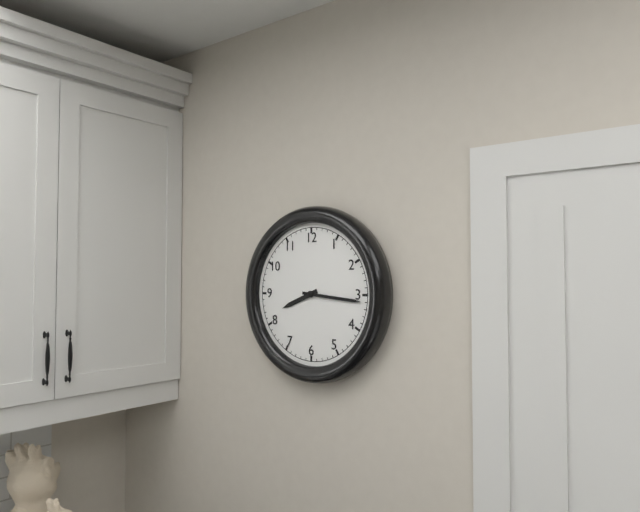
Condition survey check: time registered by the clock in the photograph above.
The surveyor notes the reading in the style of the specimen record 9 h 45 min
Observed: 8 h 16 min
